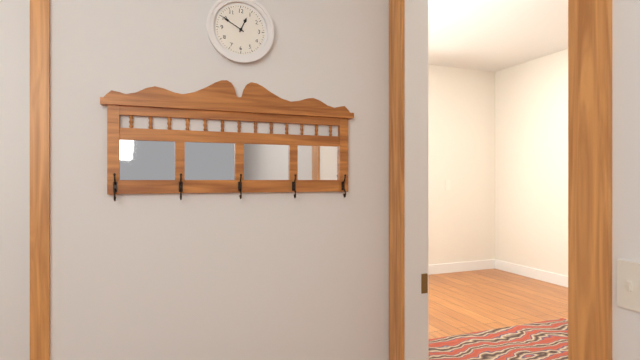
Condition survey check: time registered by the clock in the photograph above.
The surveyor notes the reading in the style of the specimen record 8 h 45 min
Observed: 12 h 50 min
